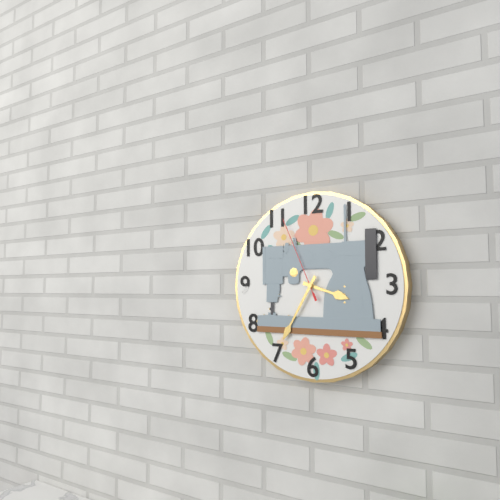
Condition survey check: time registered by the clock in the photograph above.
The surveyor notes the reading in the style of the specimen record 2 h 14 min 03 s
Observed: 3 h 35 min 56 s
